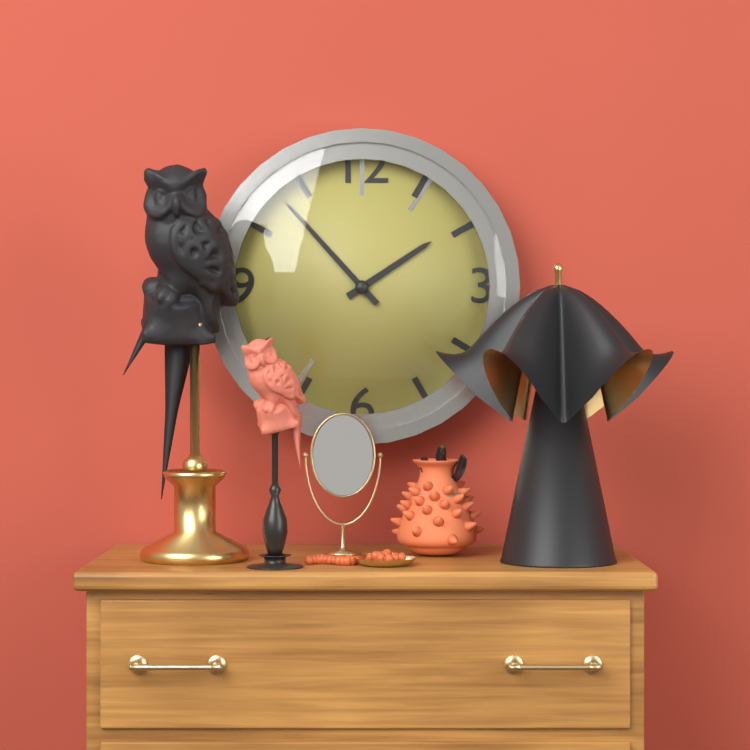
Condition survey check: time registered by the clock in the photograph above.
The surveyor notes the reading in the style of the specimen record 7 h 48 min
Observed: 1 h 53 min
